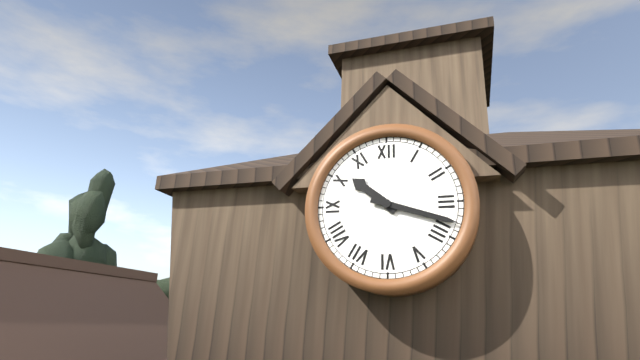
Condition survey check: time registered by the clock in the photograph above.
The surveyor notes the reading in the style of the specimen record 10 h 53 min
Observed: 10 h 18 min
